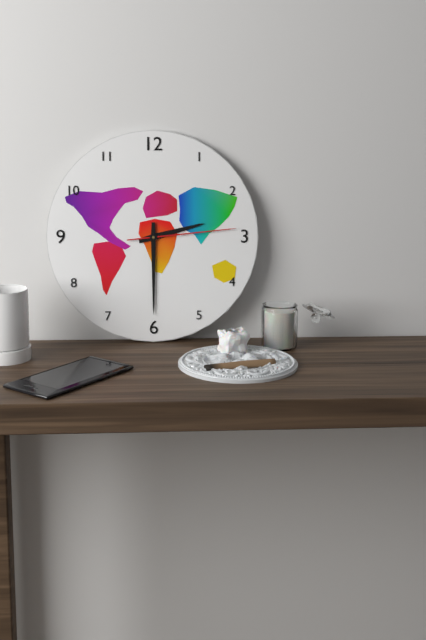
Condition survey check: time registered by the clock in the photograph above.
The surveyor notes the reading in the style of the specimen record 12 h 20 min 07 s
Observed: 2 h 30 min 14 s
